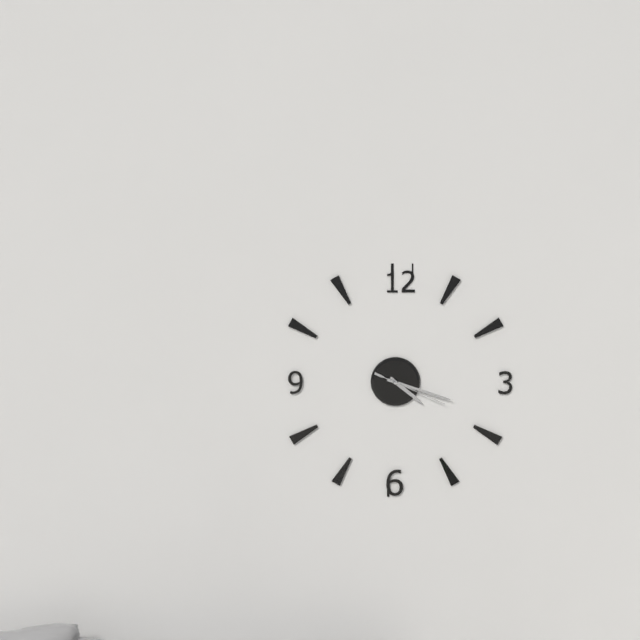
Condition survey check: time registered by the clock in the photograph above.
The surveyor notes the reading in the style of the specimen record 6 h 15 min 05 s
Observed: 4 h 18 min 19 s
